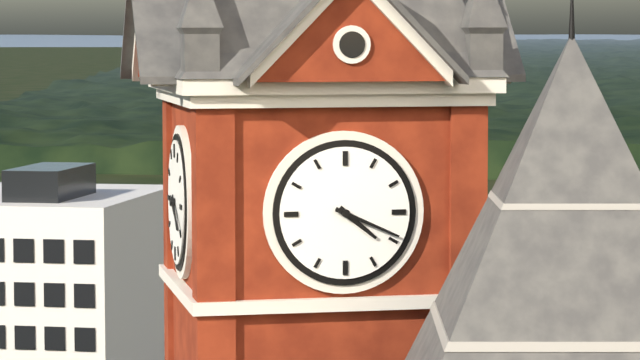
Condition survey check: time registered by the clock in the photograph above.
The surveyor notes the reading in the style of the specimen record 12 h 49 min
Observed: 4 h 19 min
